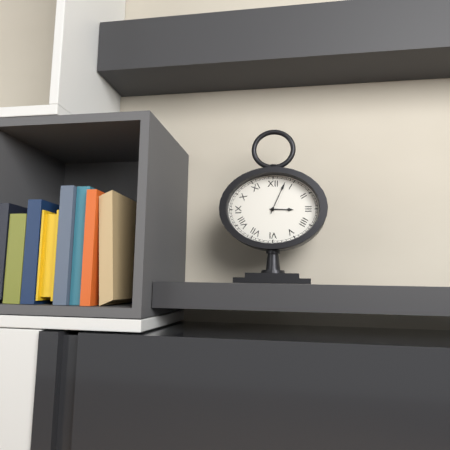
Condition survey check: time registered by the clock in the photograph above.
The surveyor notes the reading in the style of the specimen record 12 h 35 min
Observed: 3 h 04 min
